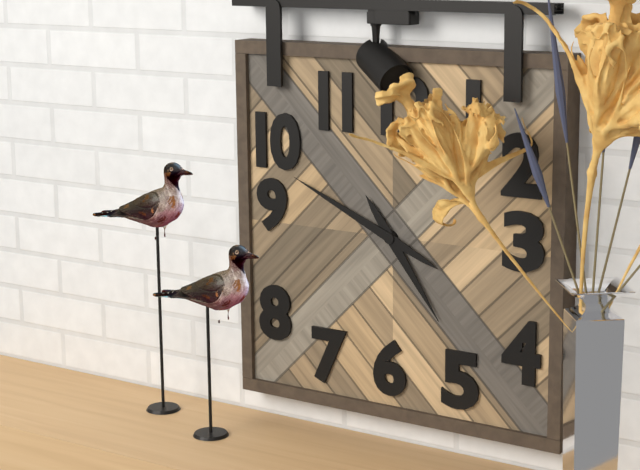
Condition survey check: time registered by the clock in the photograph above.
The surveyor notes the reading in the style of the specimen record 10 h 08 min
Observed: 4 h 49 min
